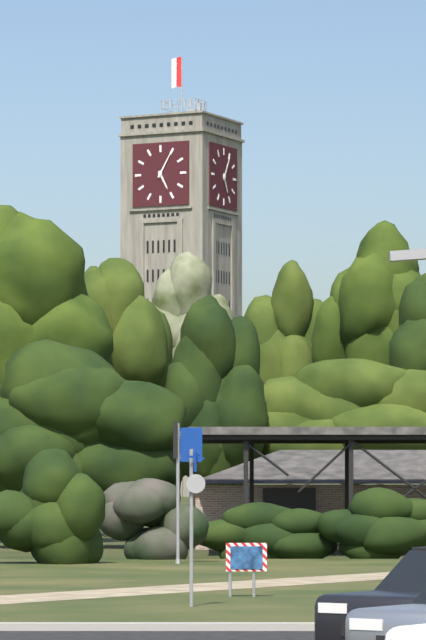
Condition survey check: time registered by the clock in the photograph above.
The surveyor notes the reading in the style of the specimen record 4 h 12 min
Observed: 5 h 05 min
